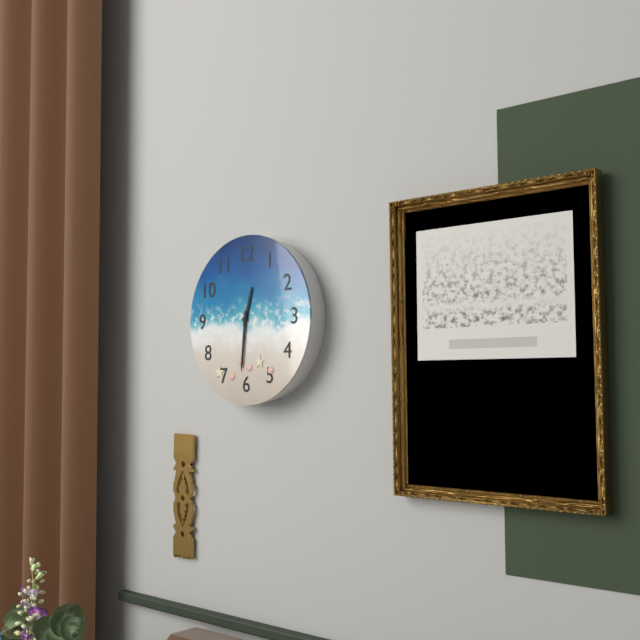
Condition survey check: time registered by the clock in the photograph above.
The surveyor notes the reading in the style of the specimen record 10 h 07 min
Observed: 12 h 31 min
